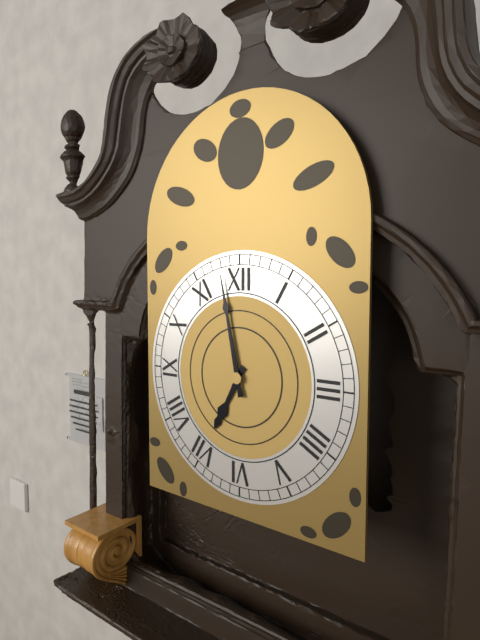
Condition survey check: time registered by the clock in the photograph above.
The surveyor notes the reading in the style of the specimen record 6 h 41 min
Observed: 6 h 58 min
